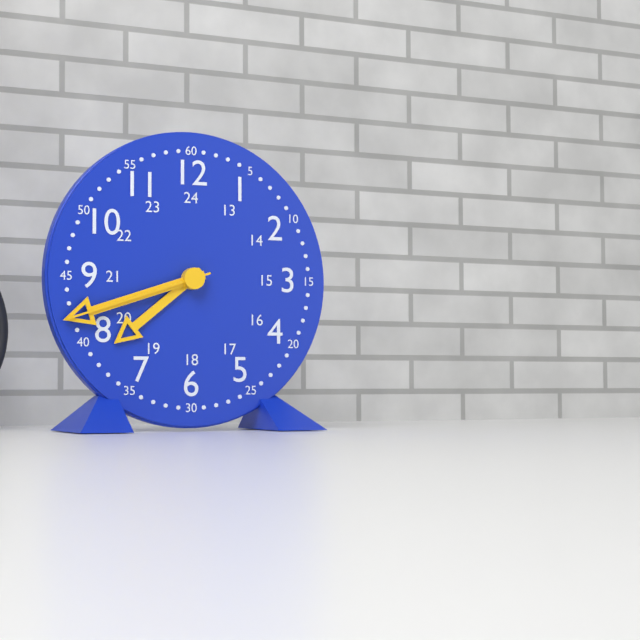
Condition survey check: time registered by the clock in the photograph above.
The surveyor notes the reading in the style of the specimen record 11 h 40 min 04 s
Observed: 7 h 42 min 42 s
